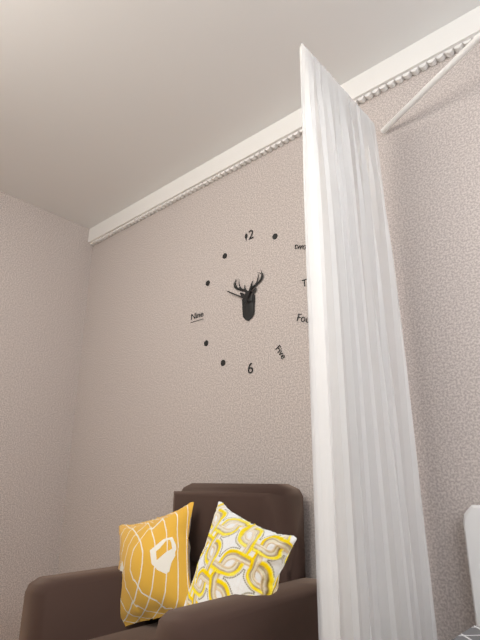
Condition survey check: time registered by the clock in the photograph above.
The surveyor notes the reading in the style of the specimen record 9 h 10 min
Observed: 12 h 50 min
